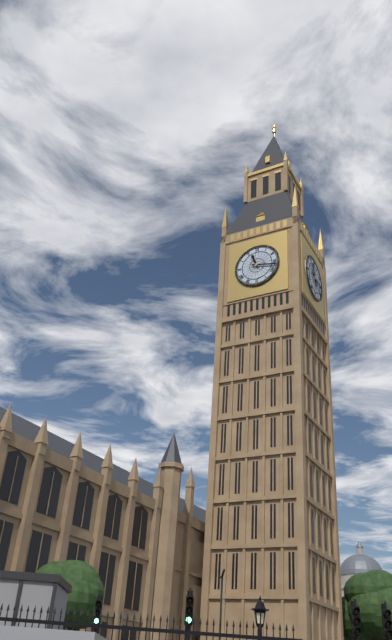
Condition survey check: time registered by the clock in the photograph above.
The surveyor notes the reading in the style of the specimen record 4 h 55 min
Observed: 11 h 17 min
